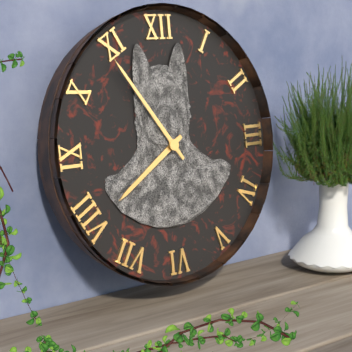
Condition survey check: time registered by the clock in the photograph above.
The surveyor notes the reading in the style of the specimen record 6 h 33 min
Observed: 7 h 54 min
